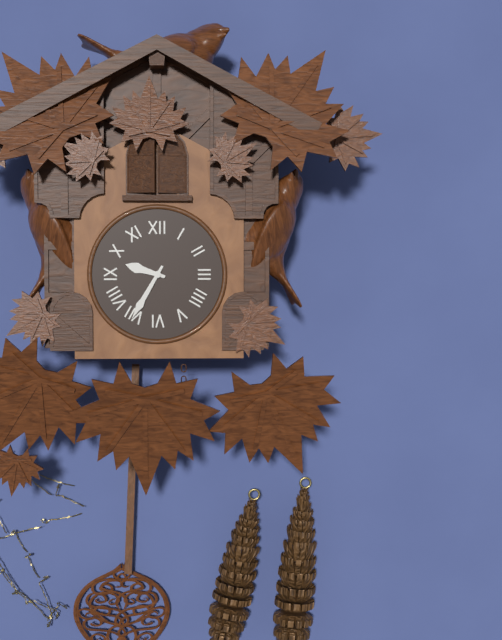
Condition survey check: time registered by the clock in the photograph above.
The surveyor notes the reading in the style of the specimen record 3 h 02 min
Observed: 9 h 35 min
